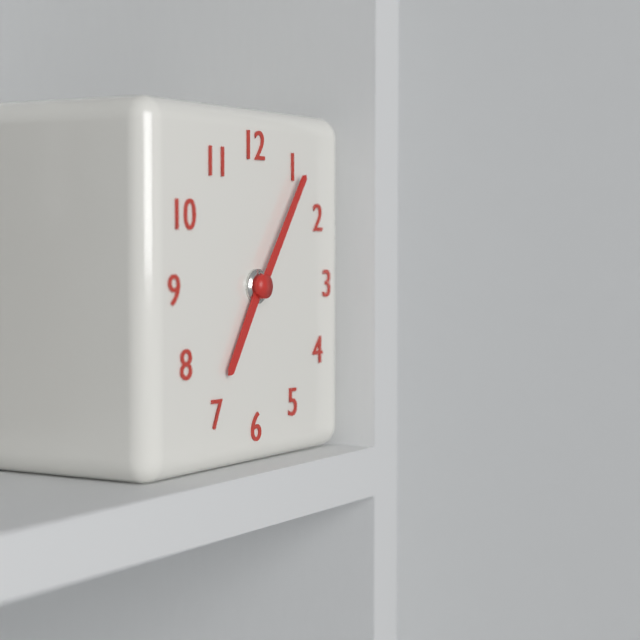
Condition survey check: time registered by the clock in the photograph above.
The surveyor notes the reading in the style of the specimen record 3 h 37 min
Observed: 7 h 06 min
